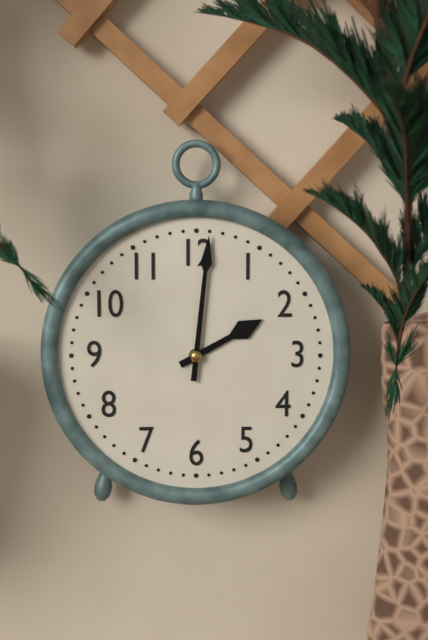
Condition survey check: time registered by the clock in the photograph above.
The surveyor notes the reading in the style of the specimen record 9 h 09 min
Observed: 2 h 01 min
